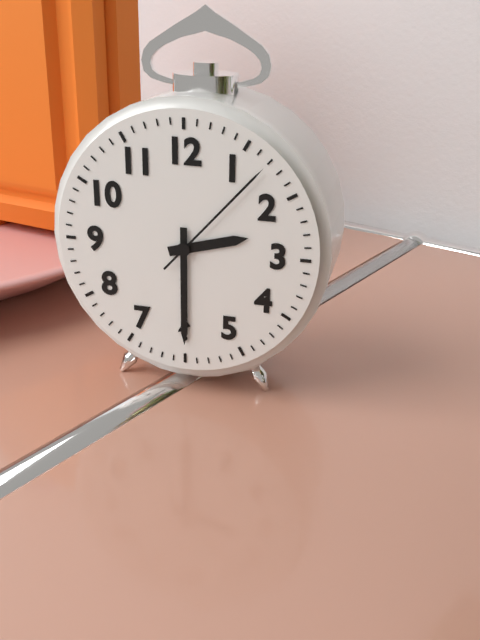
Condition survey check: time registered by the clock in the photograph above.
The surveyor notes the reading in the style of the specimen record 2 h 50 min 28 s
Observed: 2 h 30 min 07 s
